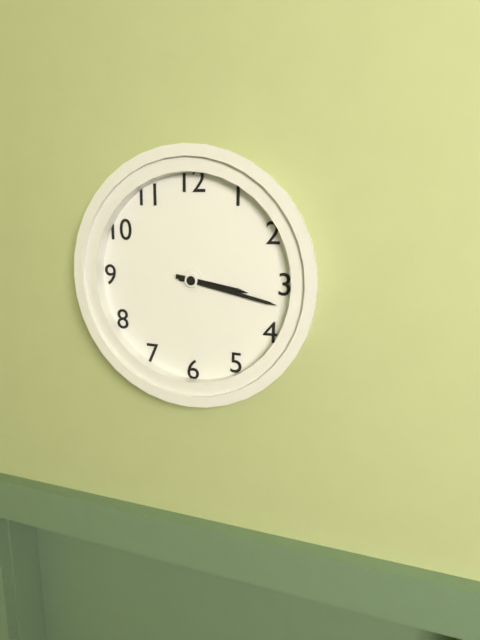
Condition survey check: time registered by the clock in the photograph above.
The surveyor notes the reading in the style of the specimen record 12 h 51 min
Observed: 3 h 17 min
